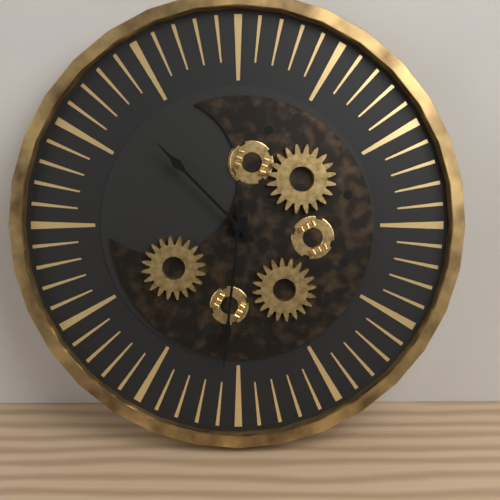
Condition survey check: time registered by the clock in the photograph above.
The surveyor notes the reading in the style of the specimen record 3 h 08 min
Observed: 10 h 31 min
